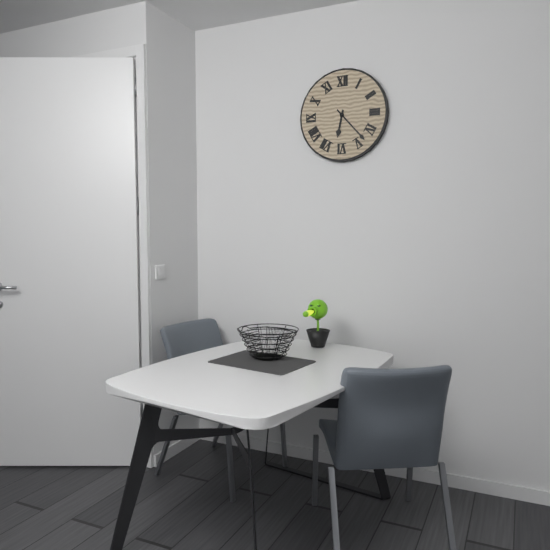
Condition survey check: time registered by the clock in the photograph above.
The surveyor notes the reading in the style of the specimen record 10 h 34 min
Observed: 6 h 23 min
